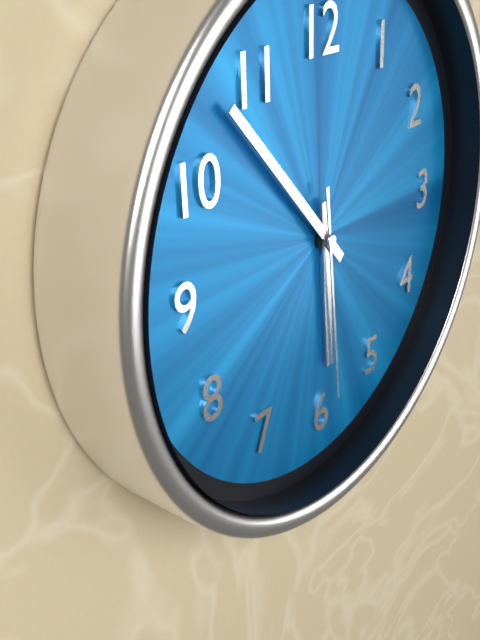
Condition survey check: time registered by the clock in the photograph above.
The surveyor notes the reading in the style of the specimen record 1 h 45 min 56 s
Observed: 5 h 53 min 29 s
